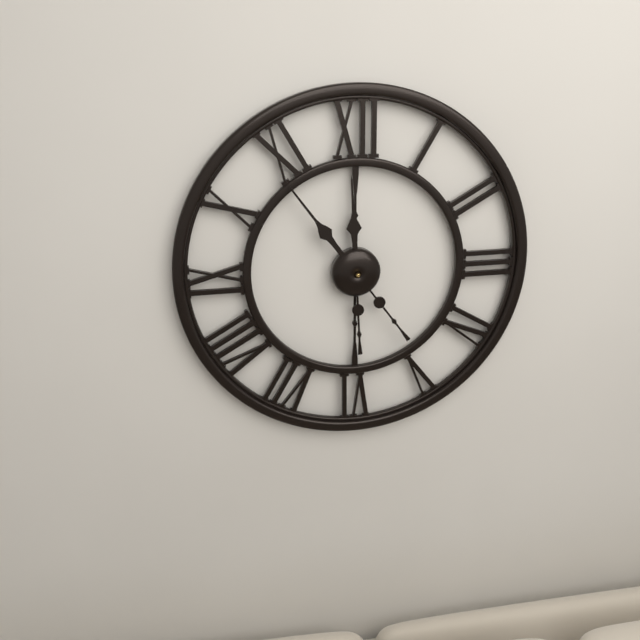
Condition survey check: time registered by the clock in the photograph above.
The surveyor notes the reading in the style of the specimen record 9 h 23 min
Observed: 11 h 54 min
